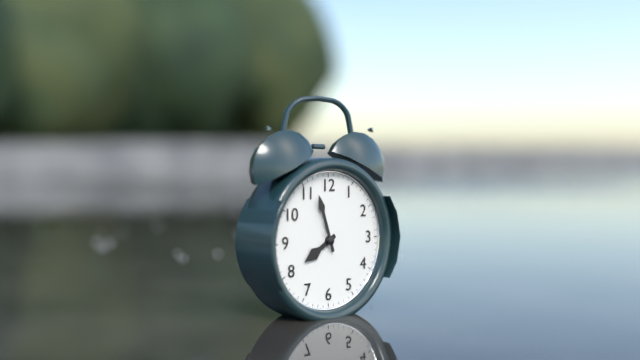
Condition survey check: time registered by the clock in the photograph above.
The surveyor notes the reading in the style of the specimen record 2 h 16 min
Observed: 7 h 57 min
